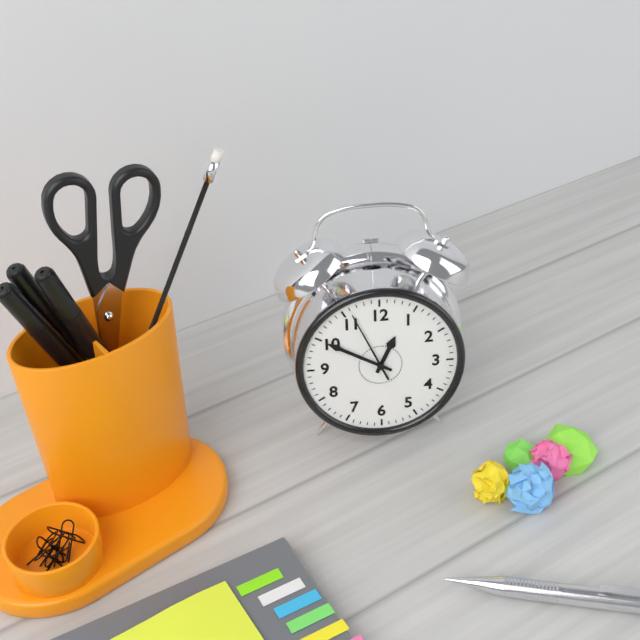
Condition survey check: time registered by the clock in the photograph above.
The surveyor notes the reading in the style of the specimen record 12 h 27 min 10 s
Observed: 12 h 50 min 56 s
